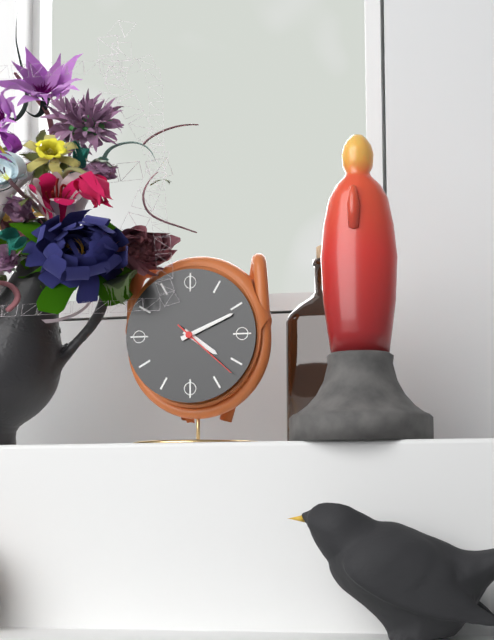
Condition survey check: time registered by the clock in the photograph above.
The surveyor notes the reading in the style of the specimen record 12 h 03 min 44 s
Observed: 4 h 11 min 22 s
